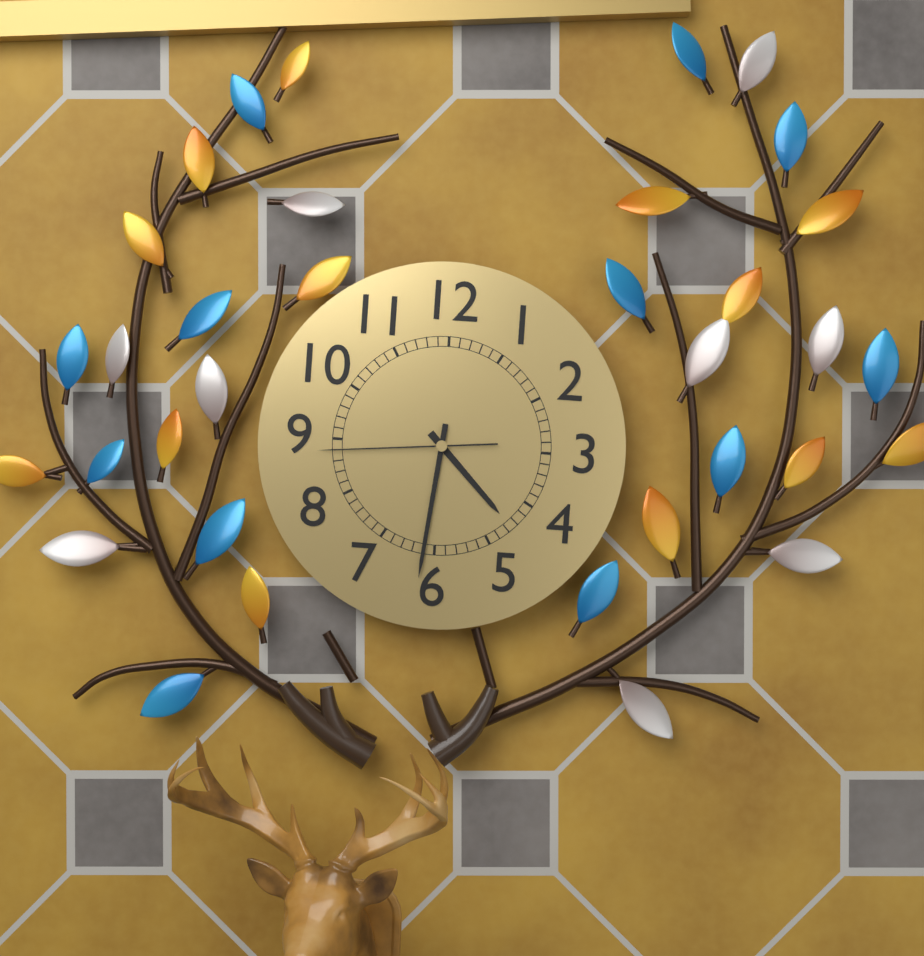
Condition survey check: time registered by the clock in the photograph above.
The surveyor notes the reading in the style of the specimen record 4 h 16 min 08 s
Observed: 4 h 31 min 44 s
